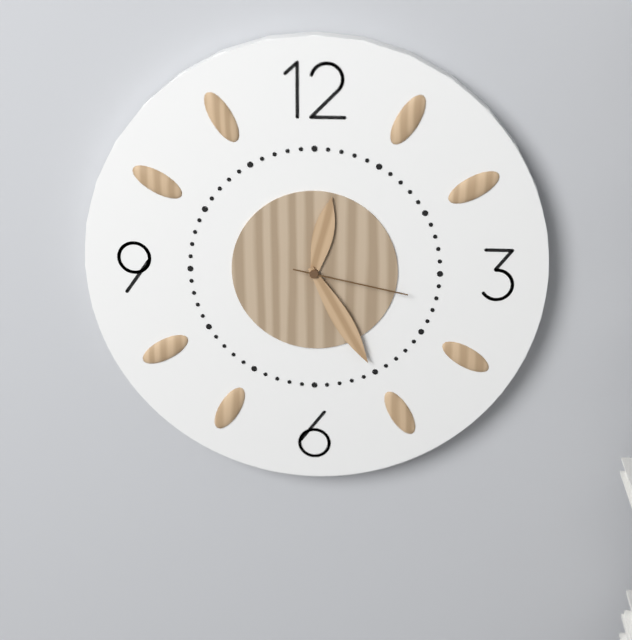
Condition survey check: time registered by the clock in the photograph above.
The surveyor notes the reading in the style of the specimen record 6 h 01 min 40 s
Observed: 12 h 25 min 17 s
